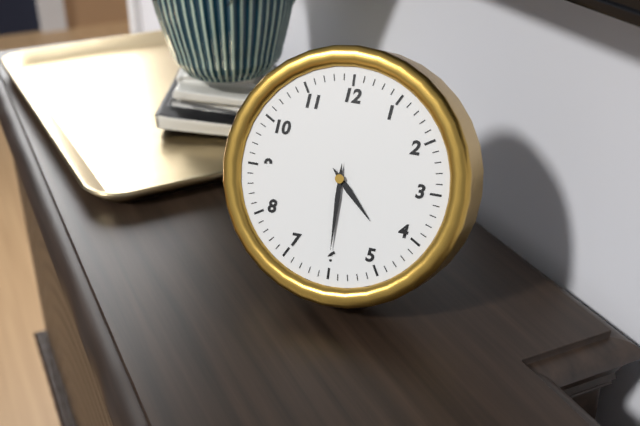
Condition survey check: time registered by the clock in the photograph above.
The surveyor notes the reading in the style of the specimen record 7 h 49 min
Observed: 4 h 30 min
